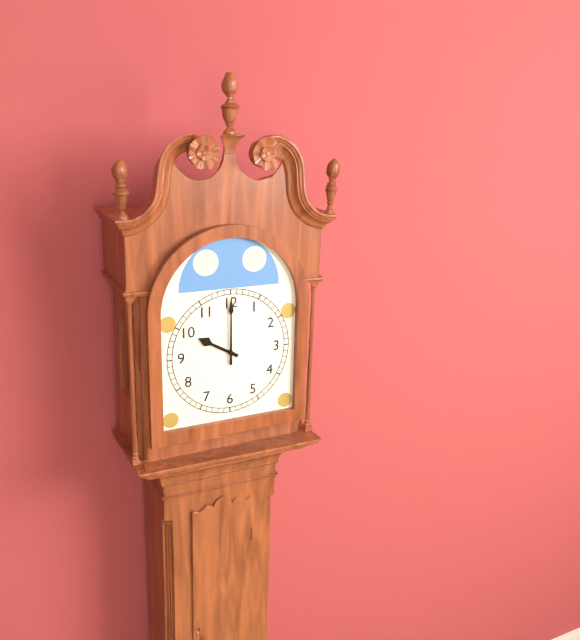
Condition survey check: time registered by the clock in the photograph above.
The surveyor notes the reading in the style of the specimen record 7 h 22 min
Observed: 10 h 00 min
